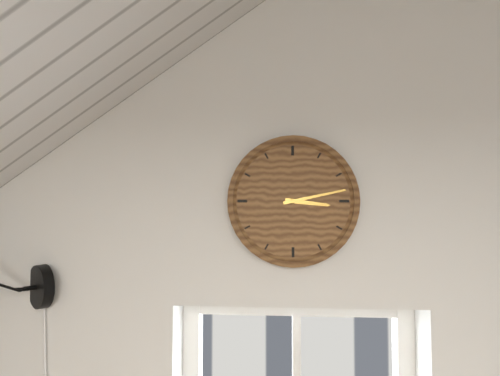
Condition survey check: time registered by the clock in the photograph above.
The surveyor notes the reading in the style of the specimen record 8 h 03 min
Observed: 3 h 13 min
